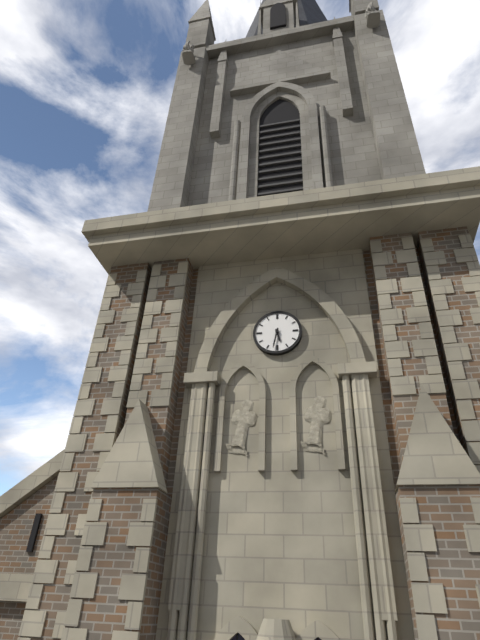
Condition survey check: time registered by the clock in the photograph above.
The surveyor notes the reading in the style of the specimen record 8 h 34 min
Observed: 5 h 32 min
